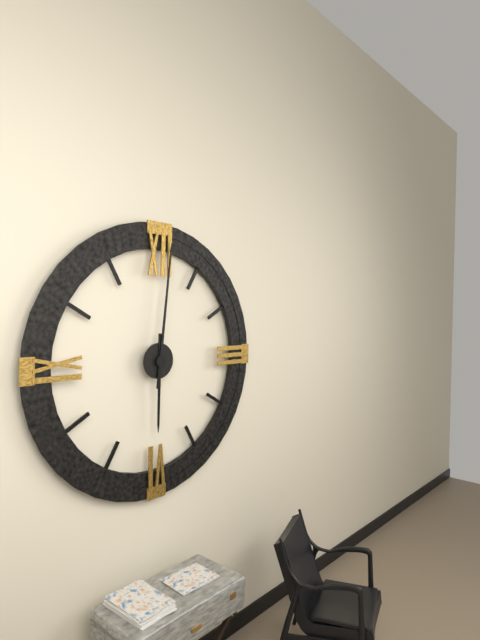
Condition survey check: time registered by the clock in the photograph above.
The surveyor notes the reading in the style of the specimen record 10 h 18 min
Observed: 6 h 01 min
